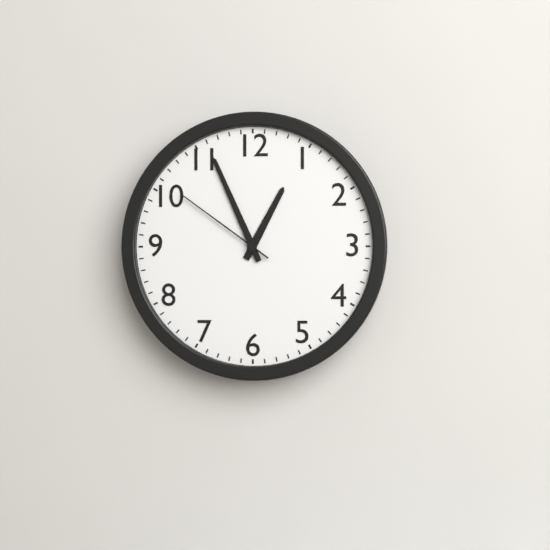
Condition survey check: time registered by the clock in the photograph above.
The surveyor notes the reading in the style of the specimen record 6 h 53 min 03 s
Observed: 12 h 56 min 51 s
